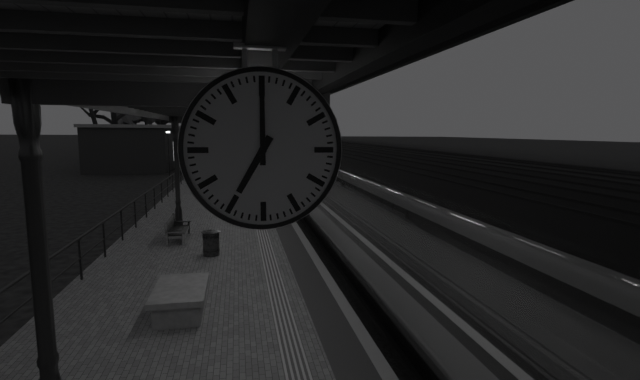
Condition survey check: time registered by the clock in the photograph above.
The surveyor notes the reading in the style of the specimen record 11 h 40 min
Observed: 7 h 00 min
